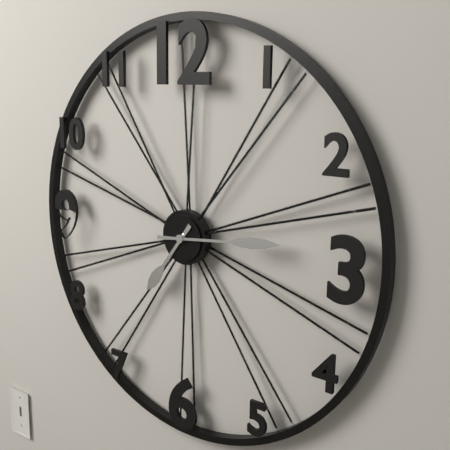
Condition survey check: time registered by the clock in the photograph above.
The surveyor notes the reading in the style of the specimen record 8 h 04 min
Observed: 7 h 14 min
